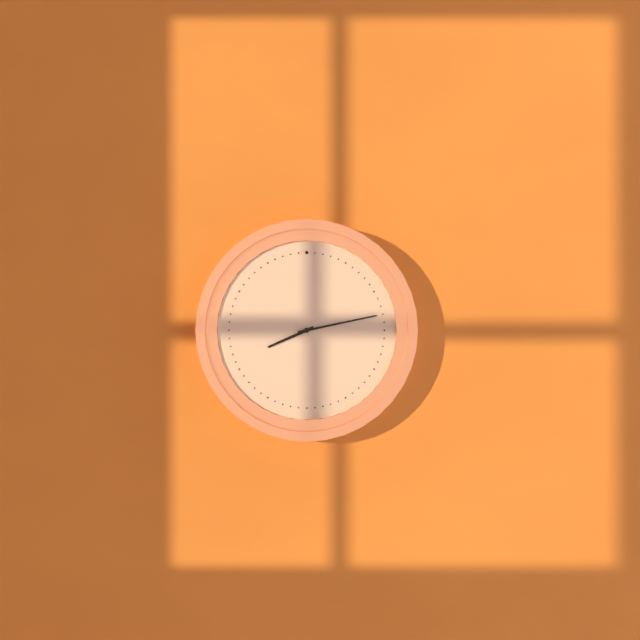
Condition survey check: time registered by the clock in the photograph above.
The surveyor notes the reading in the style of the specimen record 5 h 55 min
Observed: 8 h 13 min
